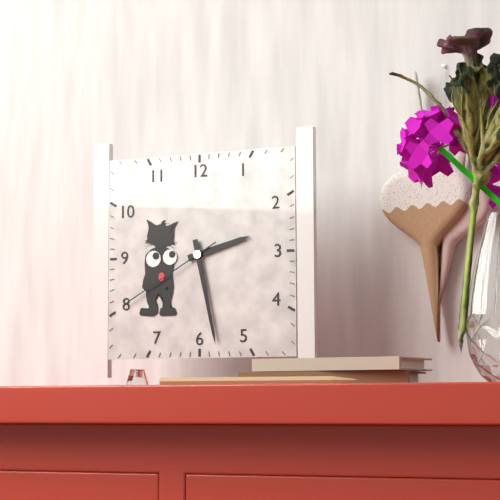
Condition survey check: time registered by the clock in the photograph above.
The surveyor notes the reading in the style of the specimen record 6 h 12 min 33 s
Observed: 2 h 28 min 40 s
